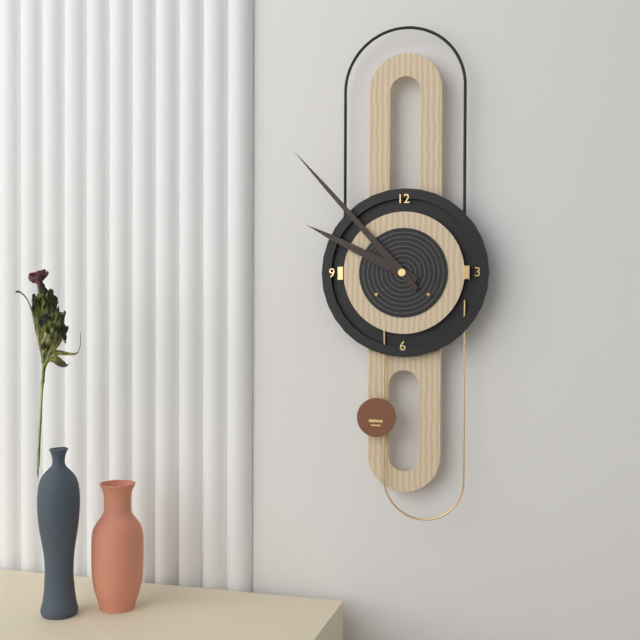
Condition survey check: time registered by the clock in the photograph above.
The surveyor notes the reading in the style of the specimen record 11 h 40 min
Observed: 9 h 53 min
